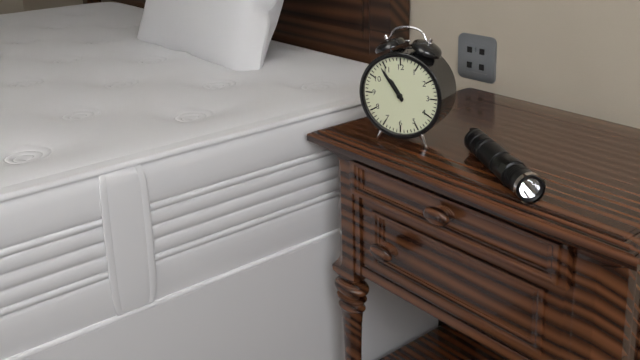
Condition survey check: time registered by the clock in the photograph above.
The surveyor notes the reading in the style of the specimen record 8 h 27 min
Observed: 10 h 54 min
